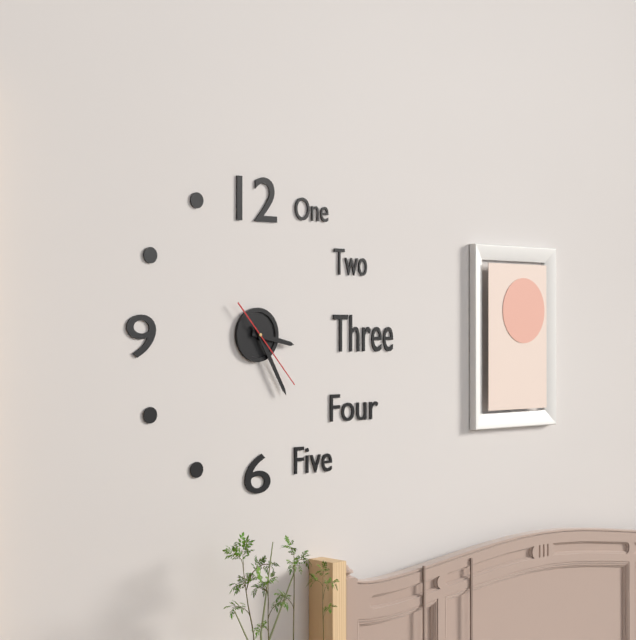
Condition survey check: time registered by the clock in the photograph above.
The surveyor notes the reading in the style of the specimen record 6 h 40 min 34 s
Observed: 3 h 25 min 23 s
